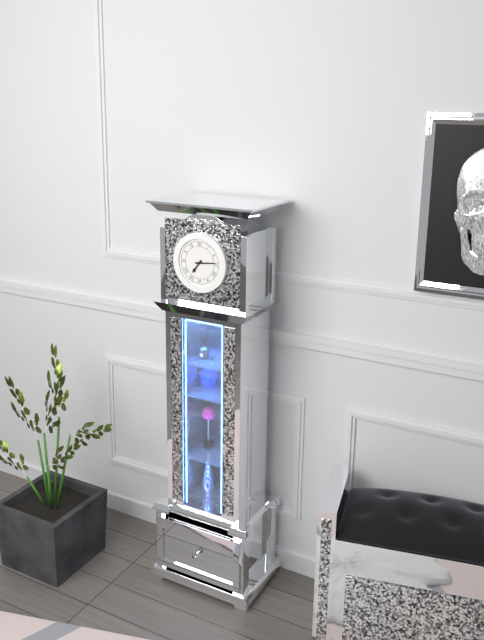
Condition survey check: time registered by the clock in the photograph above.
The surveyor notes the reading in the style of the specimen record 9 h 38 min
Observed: 7 h 14 min
